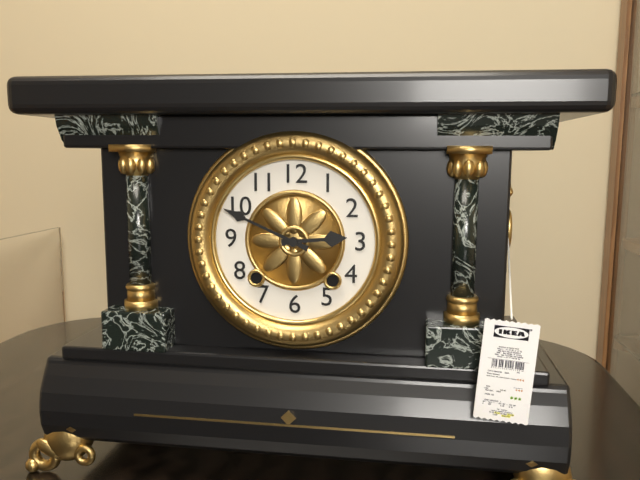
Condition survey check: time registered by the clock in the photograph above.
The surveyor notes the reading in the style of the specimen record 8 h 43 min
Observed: 2 h 49 min
